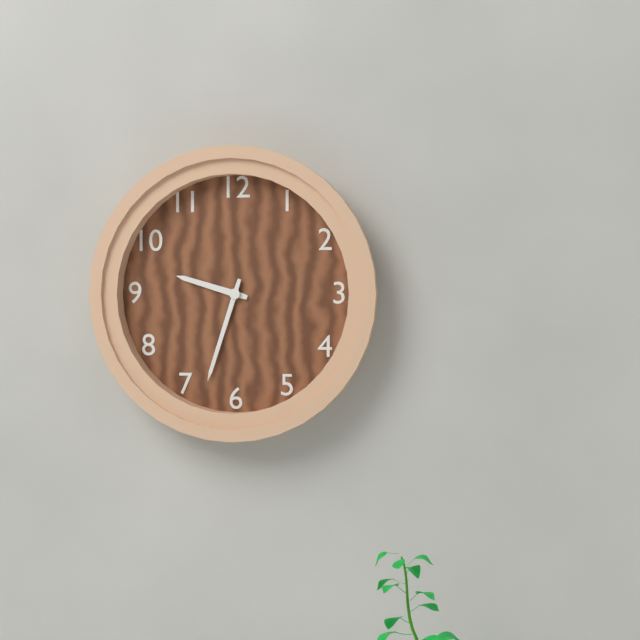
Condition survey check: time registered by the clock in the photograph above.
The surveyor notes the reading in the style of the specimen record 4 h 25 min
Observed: 9 h 33 min
